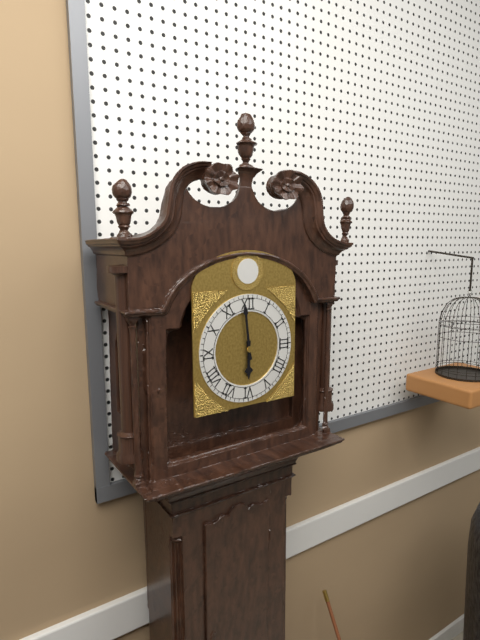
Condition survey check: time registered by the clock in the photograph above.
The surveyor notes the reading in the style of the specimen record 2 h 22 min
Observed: 5 h 59 min
